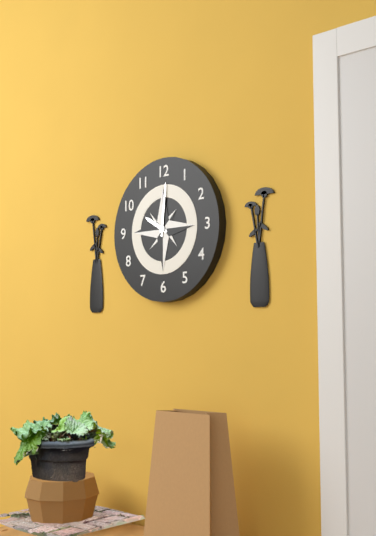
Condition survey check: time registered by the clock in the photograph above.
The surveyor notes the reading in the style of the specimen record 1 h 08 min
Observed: 10 h 01 min
